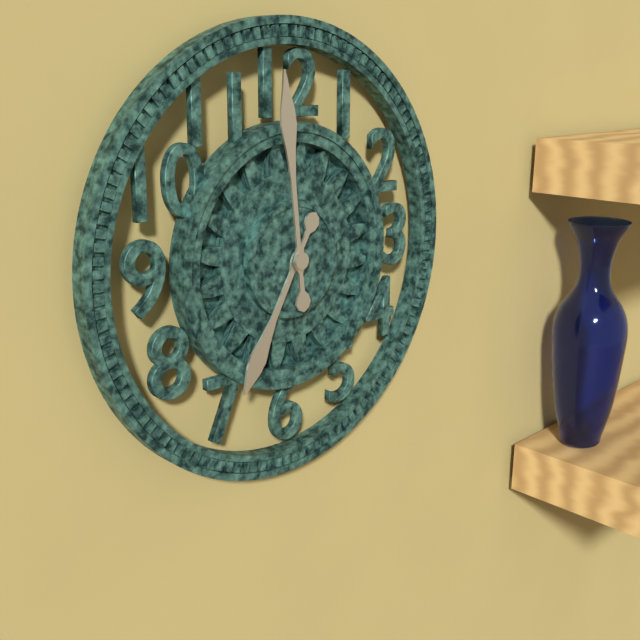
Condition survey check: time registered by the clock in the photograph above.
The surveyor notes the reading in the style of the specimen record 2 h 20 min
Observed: 6 h 59 min
